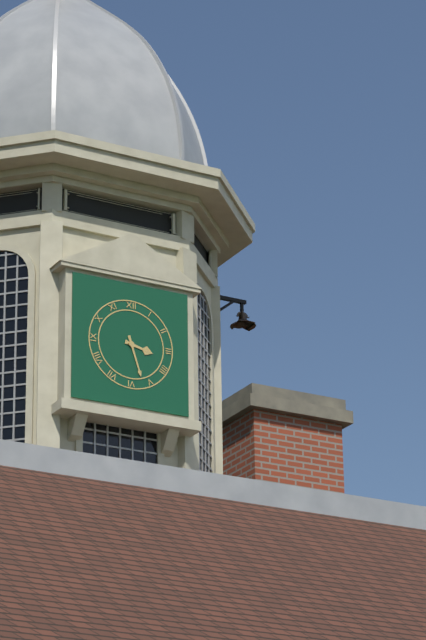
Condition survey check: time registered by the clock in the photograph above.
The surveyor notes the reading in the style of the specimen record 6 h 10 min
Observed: 3 h 27 min
